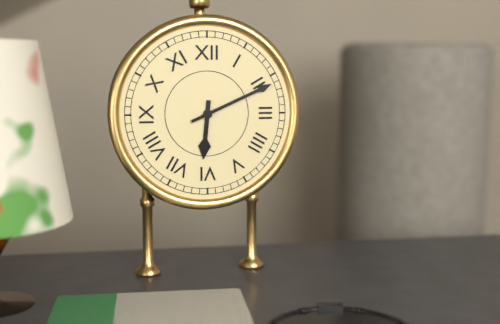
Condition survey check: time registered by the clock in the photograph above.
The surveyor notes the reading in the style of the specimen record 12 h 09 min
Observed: 6 h 11 min
